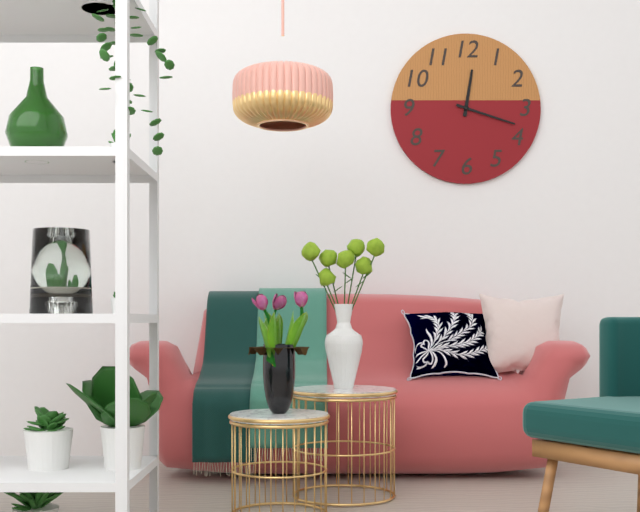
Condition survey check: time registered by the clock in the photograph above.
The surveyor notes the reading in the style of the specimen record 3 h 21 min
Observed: 12 h 18 min
